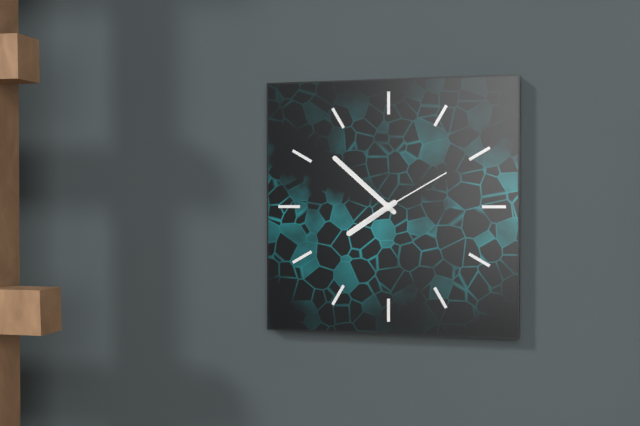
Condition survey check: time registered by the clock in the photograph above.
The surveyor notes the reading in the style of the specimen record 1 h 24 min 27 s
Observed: 7 h 52 min 10 s
